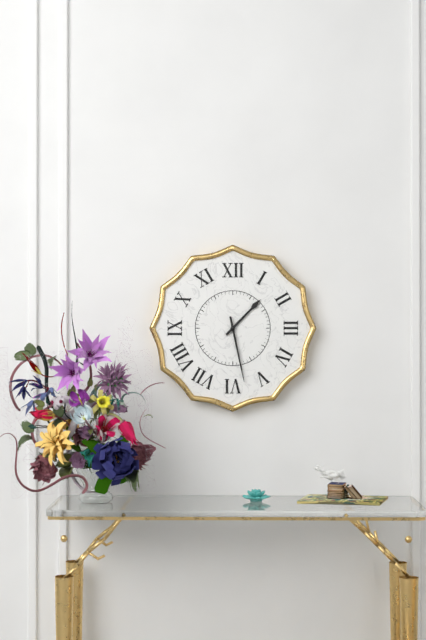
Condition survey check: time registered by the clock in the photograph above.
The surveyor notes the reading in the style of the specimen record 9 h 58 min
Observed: 1 h 28 min
